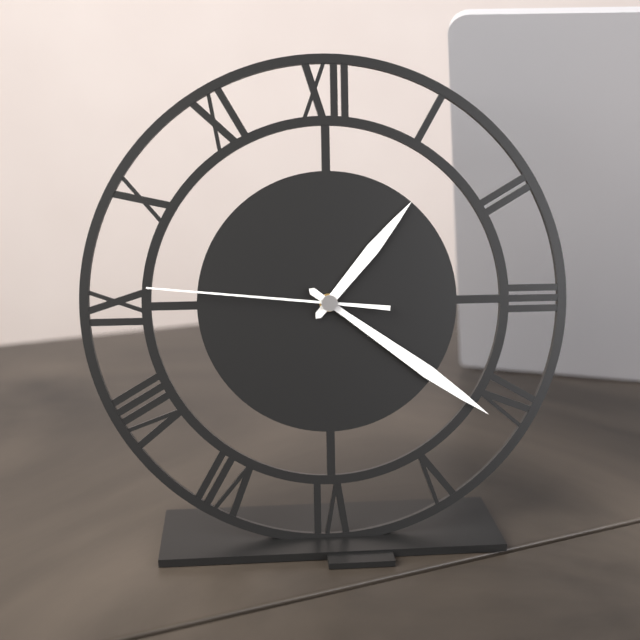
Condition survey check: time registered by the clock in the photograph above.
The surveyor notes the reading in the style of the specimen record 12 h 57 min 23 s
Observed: 1 h 21 min 46 s
